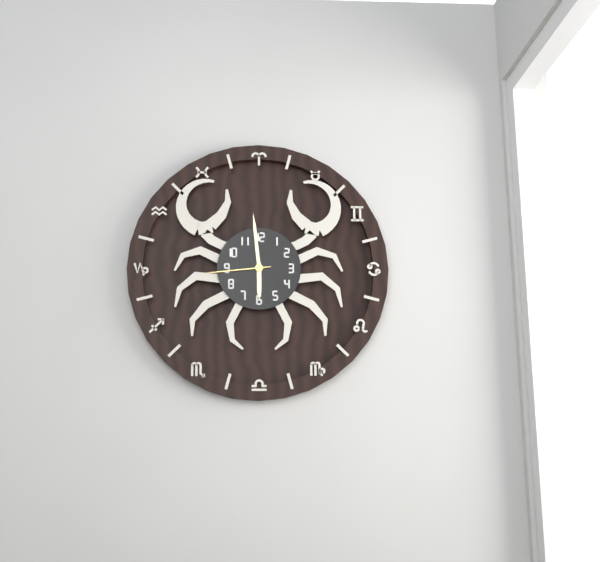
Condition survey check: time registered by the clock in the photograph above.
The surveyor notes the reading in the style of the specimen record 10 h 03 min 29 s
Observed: 5 h 59 min 44 s
